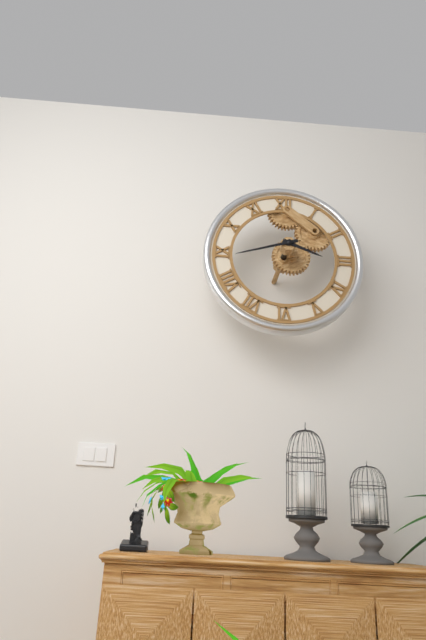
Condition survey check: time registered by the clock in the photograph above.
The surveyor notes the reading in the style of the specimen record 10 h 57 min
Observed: 3 h 42 min
